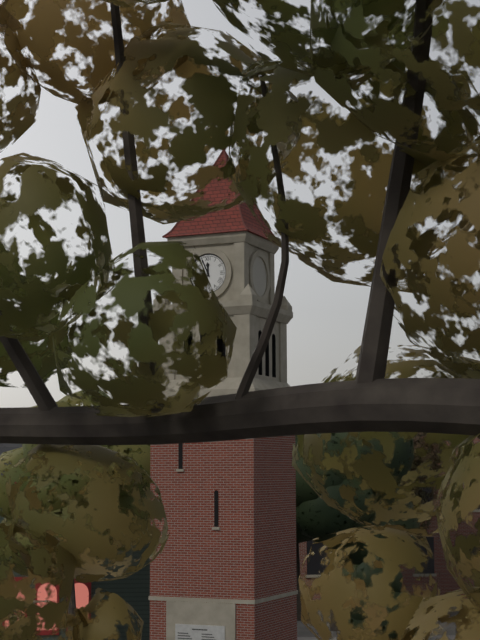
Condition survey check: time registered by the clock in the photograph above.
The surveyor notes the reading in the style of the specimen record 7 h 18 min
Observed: 11 h 56 min
